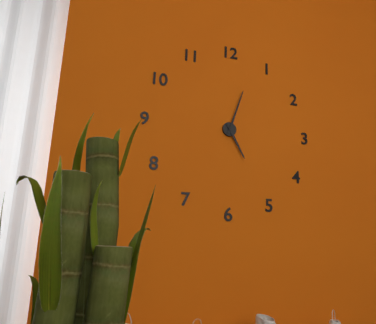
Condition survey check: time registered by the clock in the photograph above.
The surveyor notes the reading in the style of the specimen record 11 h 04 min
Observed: 5 h 03 min
